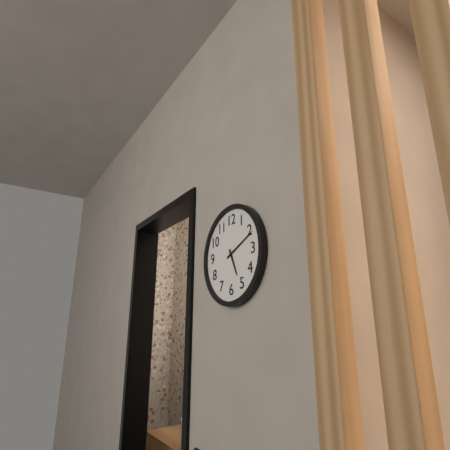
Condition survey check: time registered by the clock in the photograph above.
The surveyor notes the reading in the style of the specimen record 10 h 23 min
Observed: 5 h 11 min
